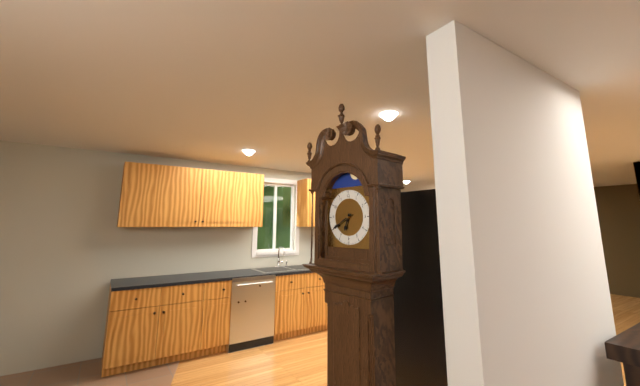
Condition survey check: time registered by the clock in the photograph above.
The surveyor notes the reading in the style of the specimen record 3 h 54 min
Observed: 6 h 40 min
